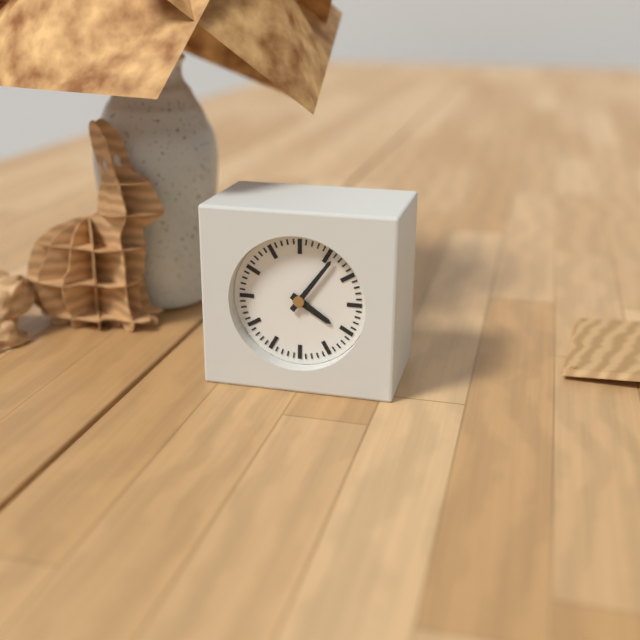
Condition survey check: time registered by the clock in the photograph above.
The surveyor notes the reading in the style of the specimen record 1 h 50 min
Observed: 4 h 06 min
